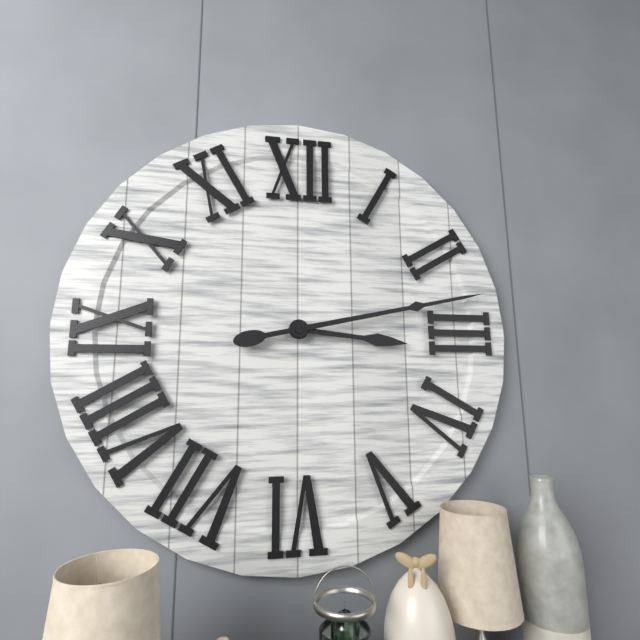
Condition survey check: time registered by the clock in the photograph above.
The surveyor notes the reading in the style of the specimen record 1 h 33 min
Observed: 3 h 13 min
